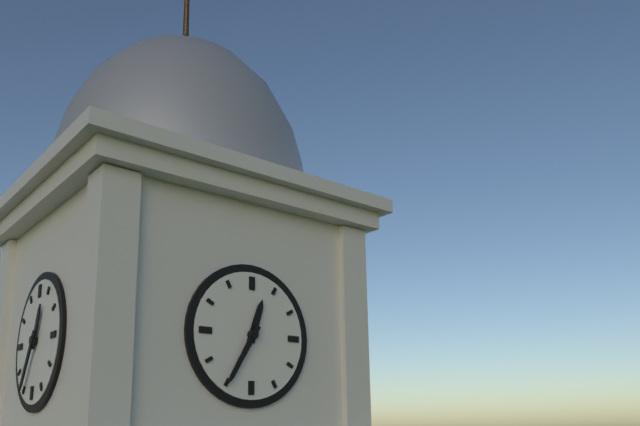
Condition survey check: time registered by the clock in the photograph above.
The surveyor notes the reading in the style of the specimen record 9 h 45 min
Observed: 12 h 35 min
